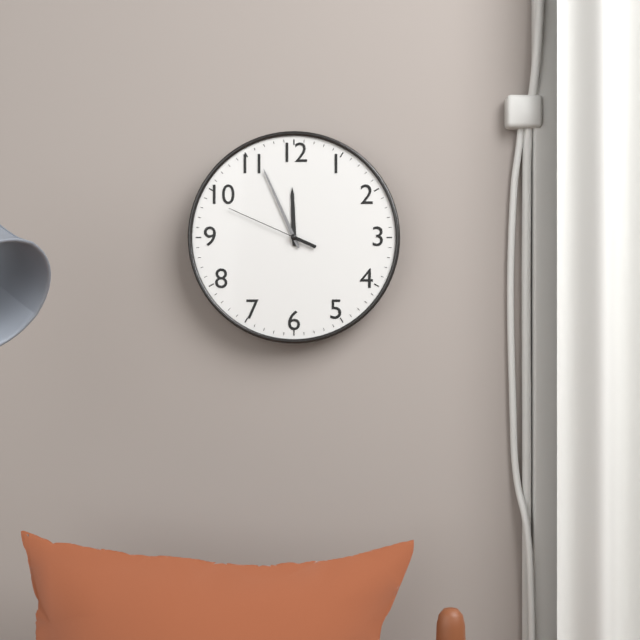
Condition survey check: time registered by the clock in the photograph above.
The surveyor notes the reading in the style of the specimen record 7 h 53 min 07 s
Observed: 11 h 56 min 49 s
